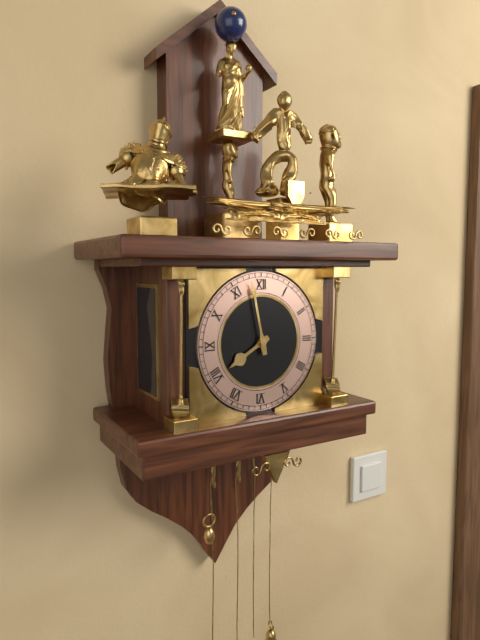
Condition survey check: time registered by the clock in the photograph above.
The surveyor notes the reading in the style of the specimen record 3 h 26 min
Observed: 7 h 58 min
